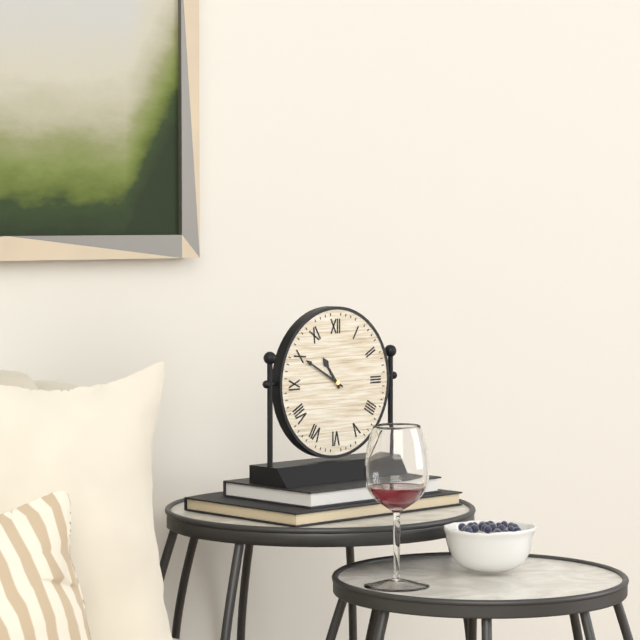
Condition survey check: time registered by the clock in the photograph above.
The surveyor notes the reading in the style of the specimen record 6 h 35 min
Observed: 10 h 50 min
